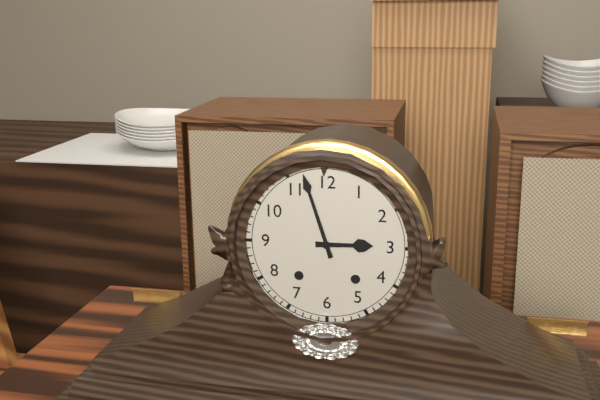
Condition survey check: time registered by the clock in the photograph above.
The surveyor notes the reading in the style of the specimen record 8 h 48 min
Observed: 2 h 57 min
